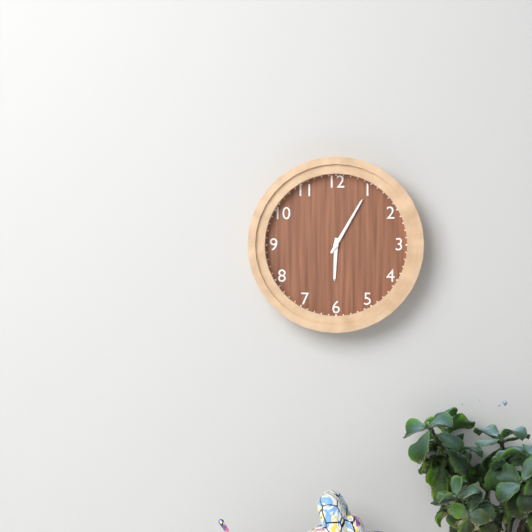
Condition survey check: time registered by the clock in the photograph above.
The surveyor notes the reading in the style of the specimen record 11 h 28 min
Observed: 6 h 05 min
